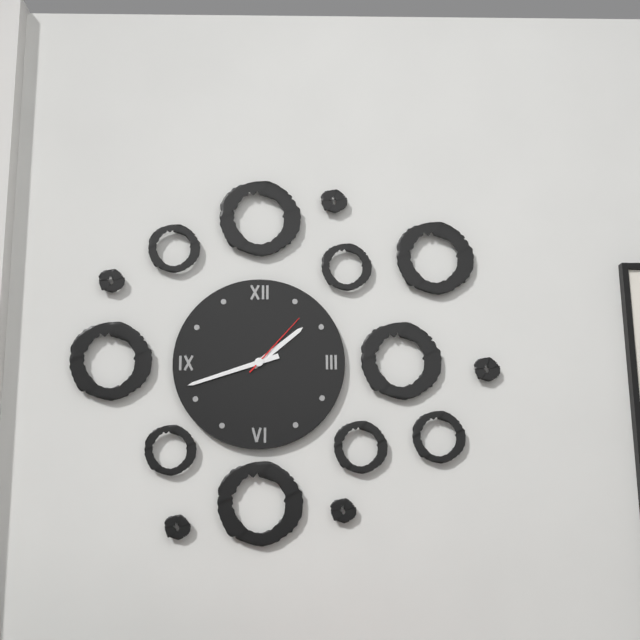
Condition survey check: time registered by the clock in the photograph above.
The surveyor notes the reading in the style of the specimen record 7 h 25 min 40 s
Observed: 1 h 42 min 07 s
